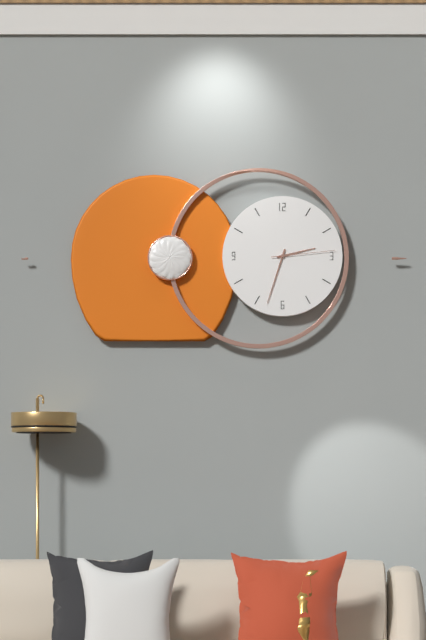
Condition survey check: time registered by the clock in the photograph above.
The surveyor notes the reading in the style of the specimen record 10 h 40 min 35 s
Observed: 2 h 33 min 14 s
